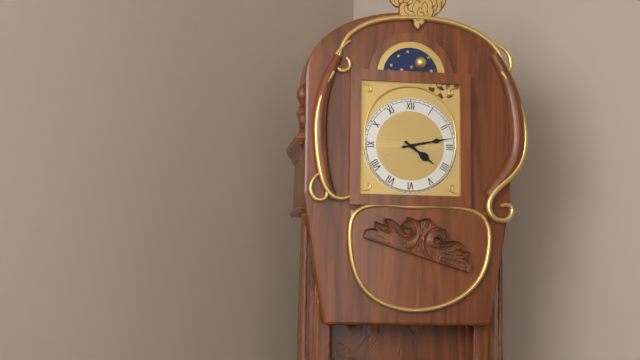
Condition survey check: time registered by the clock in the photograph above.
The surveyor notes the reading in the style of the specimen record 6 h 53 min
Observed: 4 h 13 min
